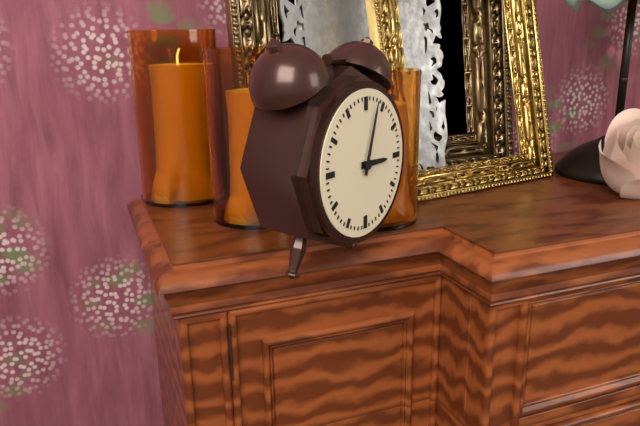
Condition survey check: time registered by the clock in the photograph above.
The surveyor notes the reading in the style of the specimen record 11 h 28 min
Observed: 3 h 03 min
